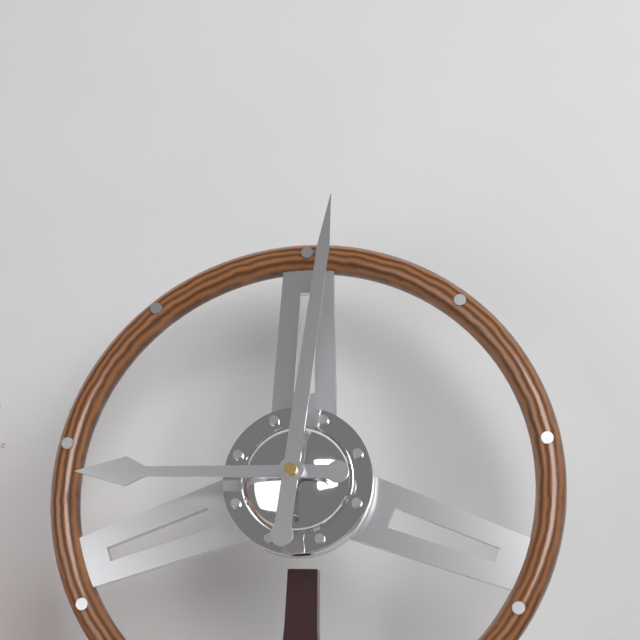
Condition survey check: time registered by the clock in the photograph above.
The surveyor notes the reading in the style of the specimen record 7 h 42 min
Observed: 9 h 01 min
